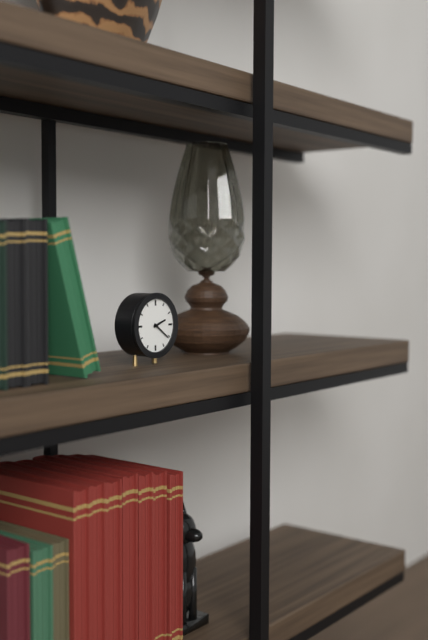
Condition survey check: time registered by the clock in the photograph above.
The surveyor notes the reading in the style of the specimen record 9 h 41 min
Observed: 2 h 21 min
